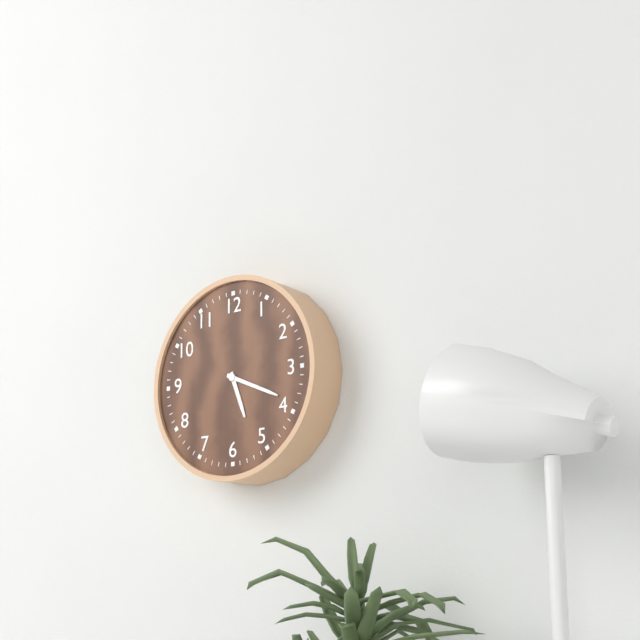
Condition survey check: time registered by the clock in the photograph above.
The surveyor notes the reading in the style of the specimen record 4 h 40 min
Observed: 5 h 19 min
